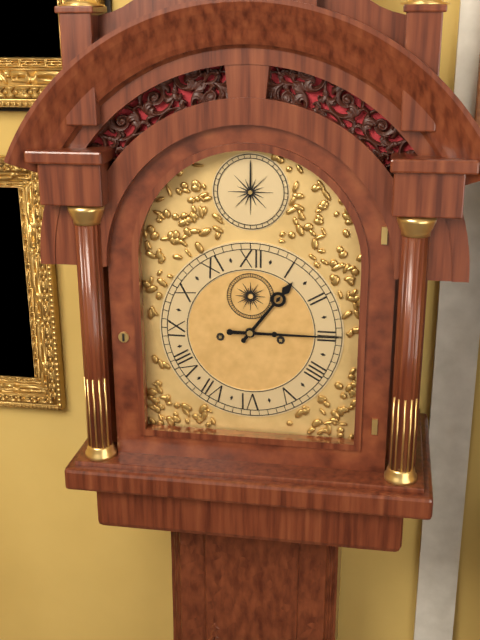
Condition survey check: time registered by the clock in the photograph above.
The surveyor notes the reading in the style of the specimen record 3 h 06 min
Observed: 1 h 15 min
